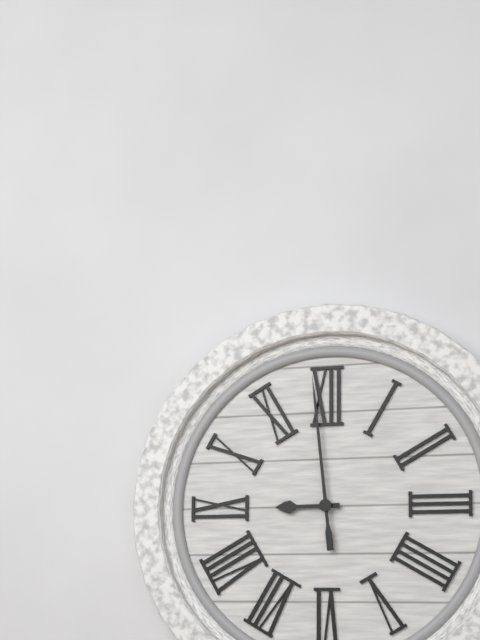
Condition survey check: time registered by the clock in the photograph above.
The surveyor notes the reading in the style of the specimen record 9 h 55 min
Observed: 8 h 59 min
